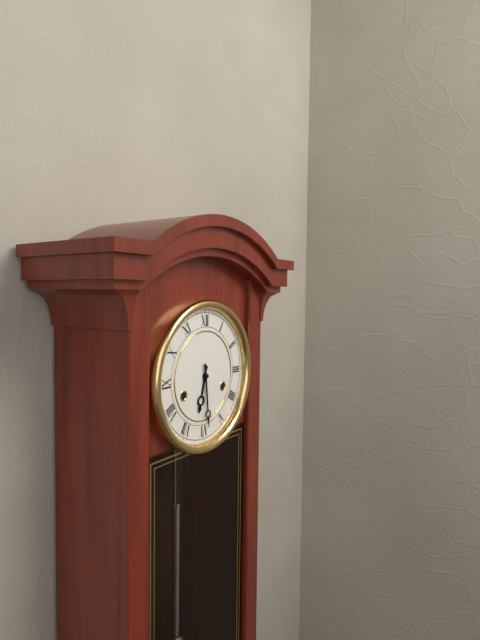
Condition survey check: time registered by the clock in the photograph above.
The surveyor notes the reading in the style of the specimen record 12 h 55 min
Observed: 6 h 29 min
